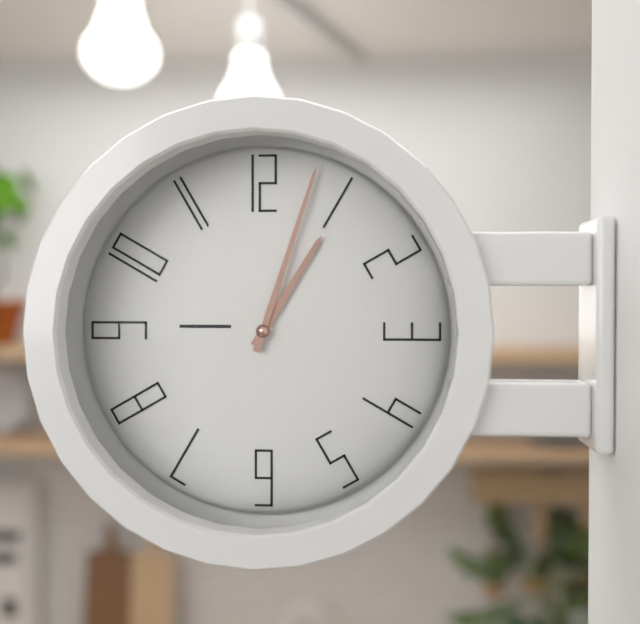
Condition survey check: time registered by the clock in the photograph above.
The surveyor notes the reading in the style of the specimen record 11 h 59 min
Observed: 1 h 03 min
